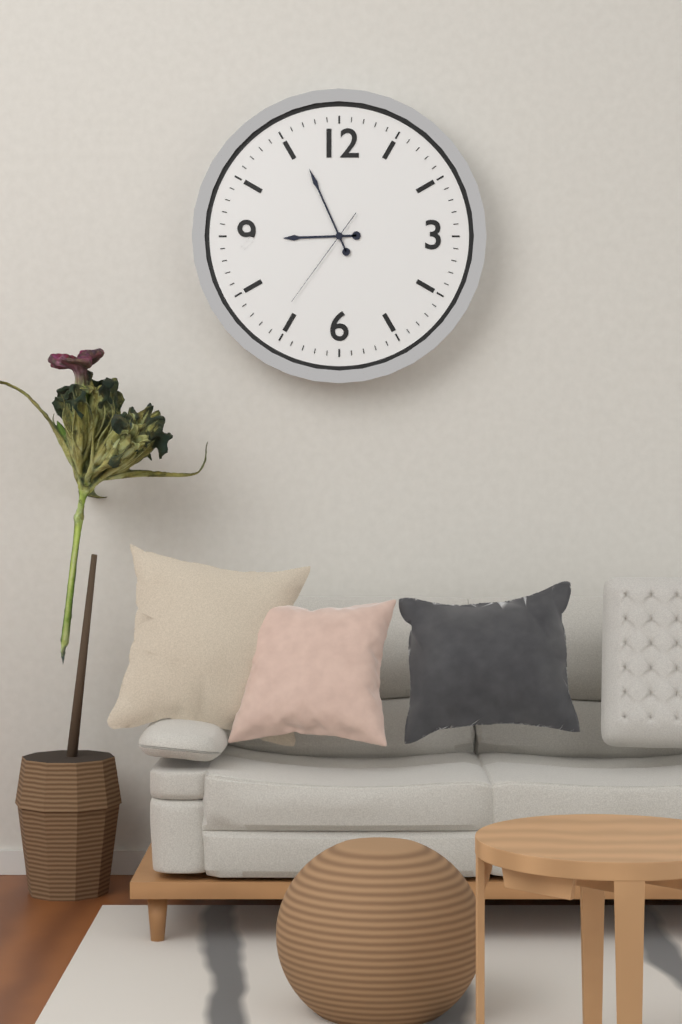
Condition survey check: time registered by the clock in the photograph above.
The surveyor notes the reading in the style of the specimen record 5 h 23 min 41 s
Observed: 8 h 56 min 36 s
